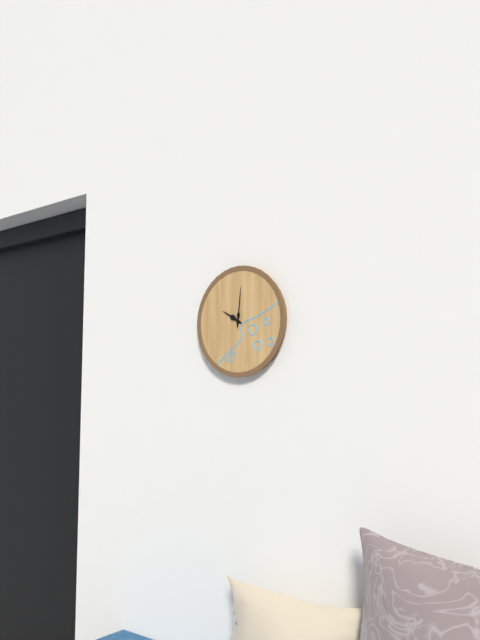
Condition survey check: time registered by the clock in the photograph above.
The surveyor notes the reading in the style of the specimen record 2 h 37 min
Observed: 10 h 01 min
